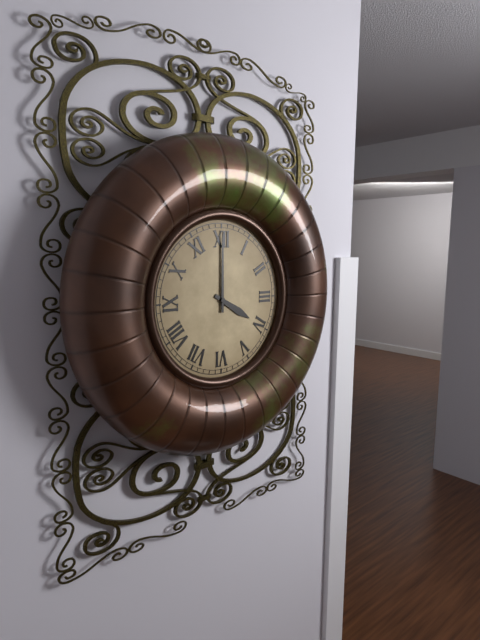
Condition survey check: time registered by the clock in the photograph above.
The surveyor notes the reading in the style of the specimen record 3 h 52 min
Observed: 4 h 00 min
